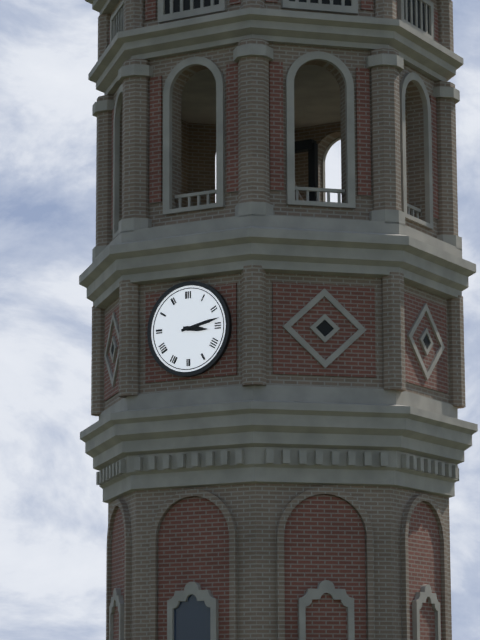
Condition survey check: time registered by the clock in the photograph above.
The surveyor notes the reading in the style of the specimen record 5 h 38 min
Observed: 3 h 13 min
